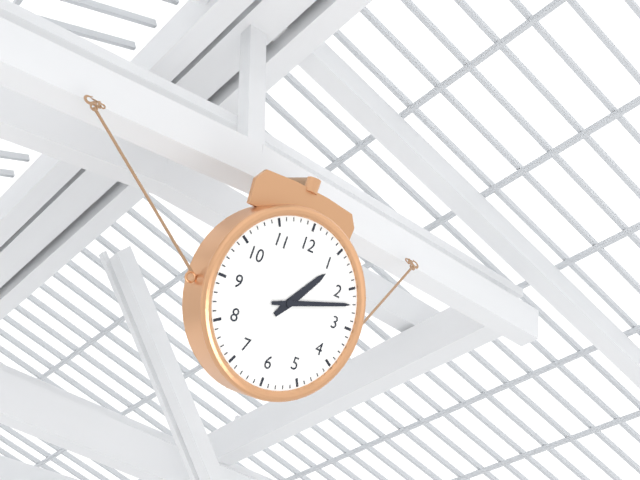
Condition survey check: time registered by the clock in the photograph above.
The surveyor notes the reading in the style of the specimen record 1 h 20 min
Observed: 1 h 12 min
